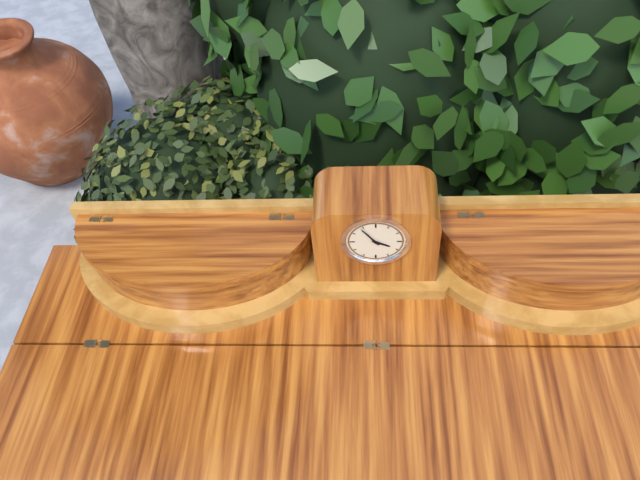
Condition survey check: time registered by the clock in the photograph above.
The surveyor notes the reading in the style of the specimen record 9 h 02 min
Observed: 3 h 54 min
